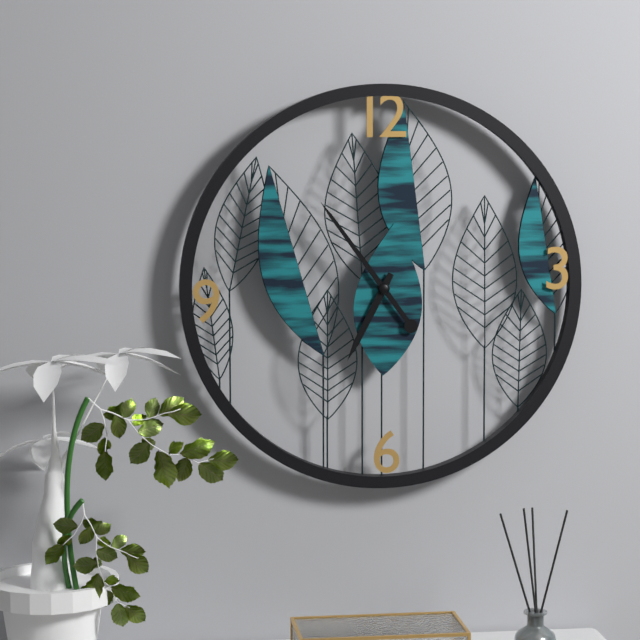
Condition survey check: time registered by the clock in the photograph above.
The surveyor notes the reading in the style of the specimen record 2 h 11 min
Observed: 6 h 54 min
